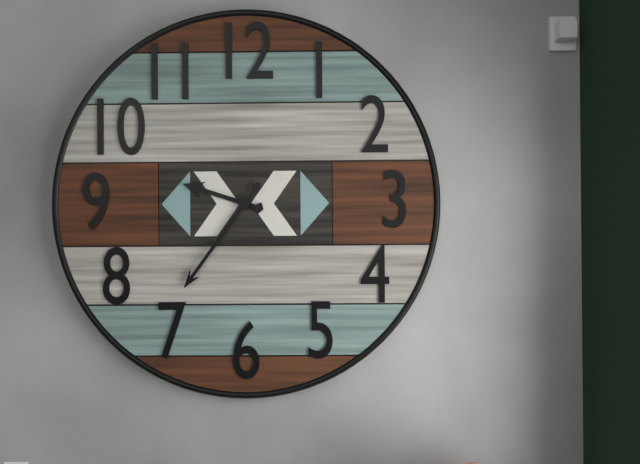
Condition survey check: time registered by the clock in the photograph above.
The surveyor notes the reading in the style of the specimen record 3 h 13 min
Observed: 9 h 36 min
